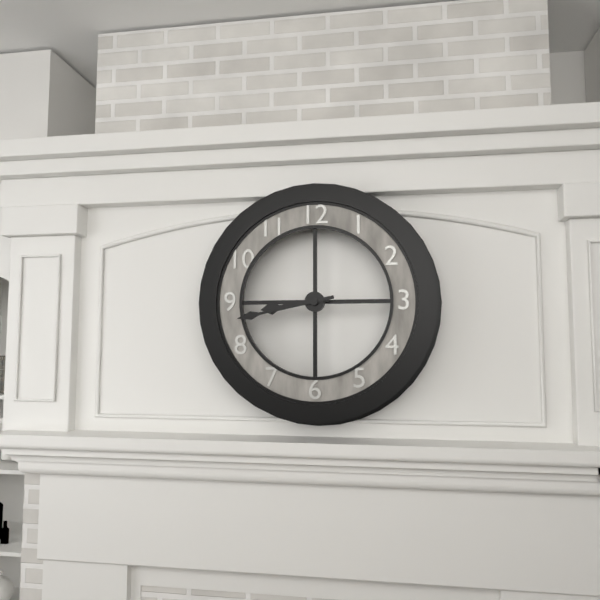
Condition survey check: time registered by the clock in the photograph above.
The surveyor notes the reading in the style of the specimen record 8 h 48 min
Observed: 8 h 43 min
